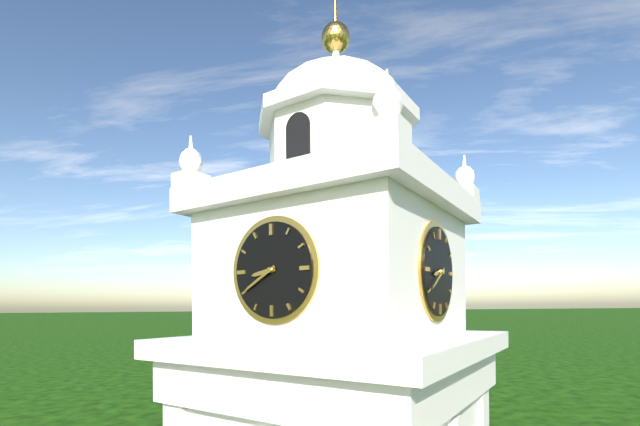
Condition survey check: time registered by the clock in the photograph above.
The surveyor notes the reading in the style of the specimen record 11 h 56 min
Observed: 8 h 40 min
